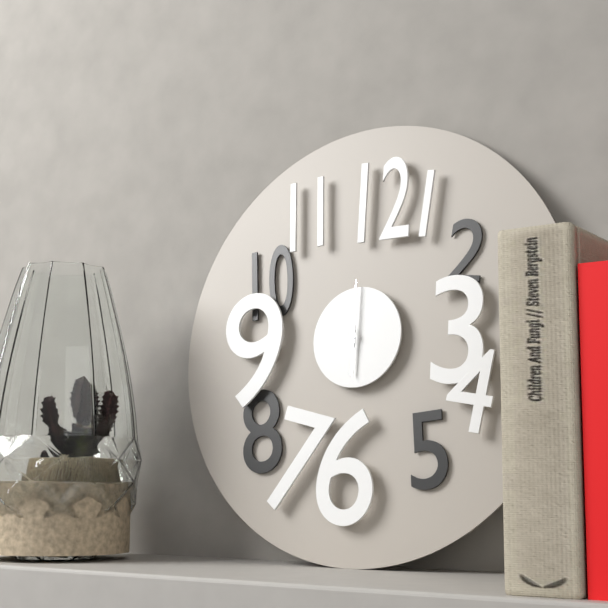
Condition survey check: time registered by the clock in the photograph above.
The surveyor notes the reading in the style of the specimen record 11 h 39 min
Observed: 6 h 00 min
